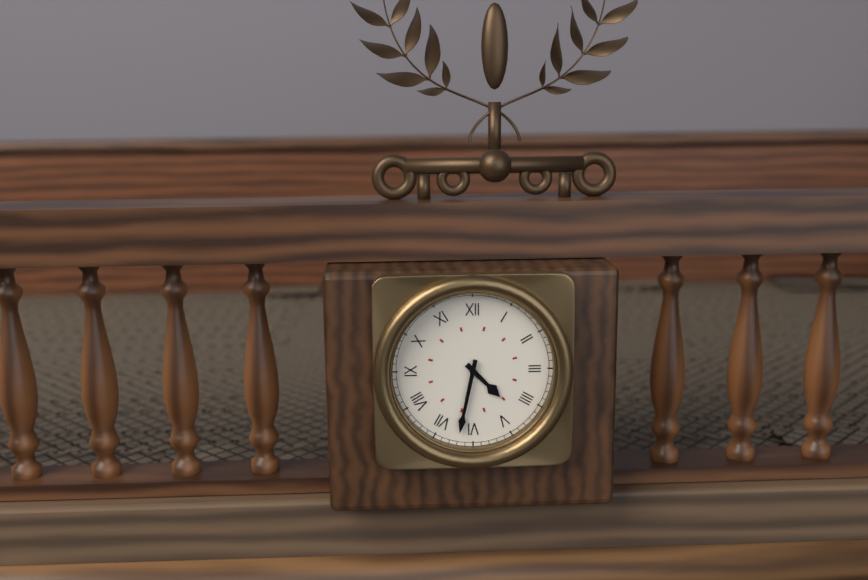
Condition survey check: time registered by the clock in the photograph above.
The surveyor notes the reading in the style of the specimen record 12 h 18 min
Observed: 4 h 32 min
